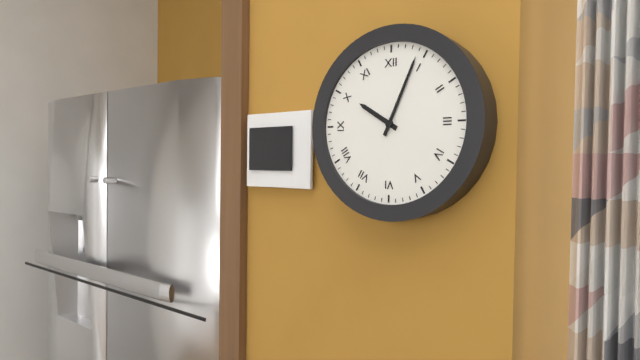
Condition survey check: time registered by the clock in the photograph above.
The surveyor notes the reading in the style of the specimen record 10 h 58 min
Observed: 10 h 04 min
